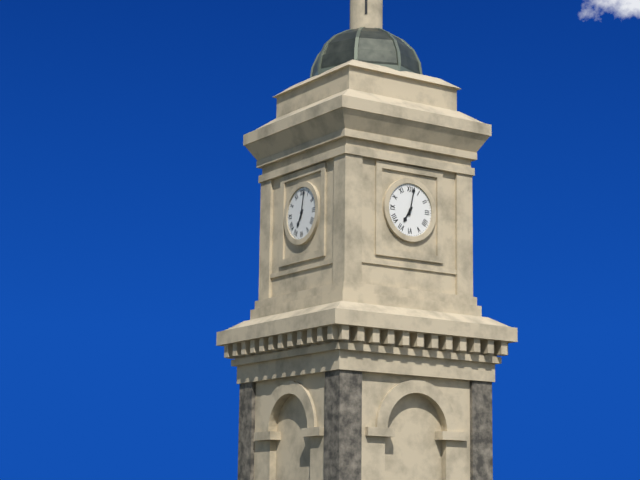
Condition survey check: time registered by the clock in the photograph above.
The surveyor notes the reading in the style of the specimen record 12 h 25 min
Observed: 7 h 02 min
